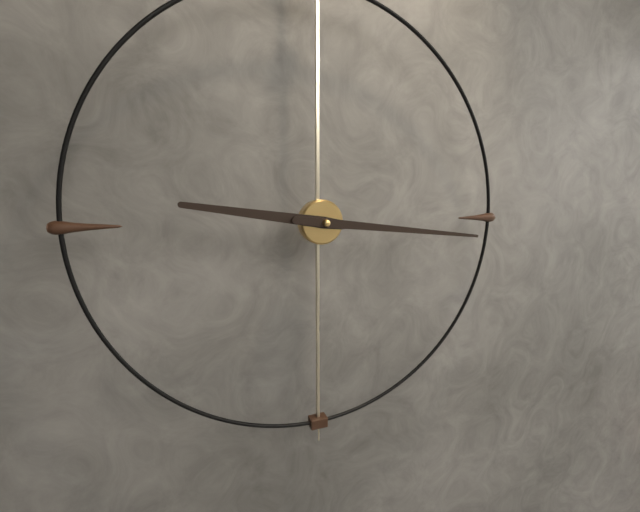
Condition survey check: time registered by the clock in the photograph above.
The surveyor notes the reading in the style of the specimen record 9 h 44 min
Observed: 9 h 16 min
